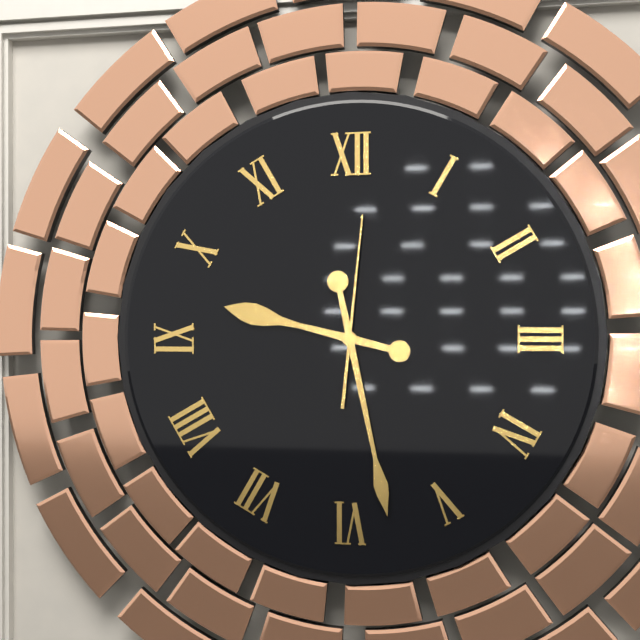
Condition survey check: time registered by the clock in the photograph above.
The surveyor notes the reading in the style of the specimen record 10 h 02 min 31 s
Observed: 9 h 28 min 01 s
